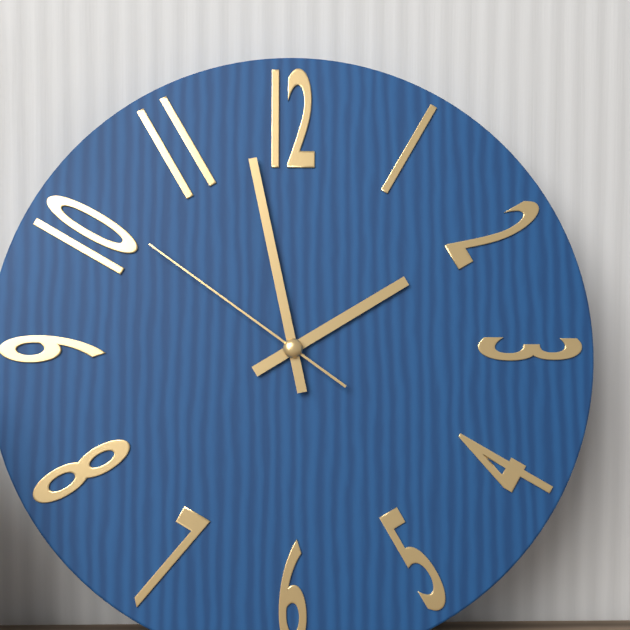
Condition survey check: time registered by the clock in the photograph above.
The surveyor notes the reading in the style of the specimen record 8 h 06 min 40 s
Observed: 1 h 58 min 51 s
